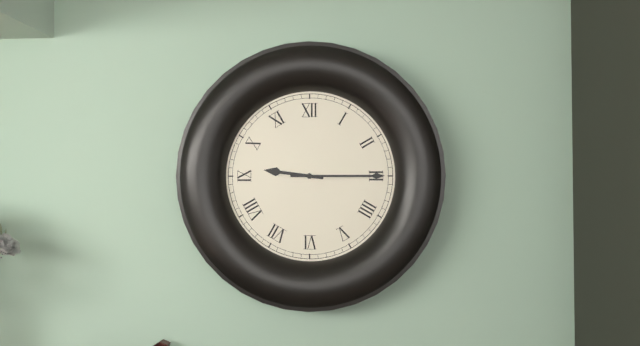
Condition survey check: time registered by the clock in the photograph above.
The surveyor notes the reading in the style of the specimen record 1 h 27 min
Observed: 9 h 15 min
